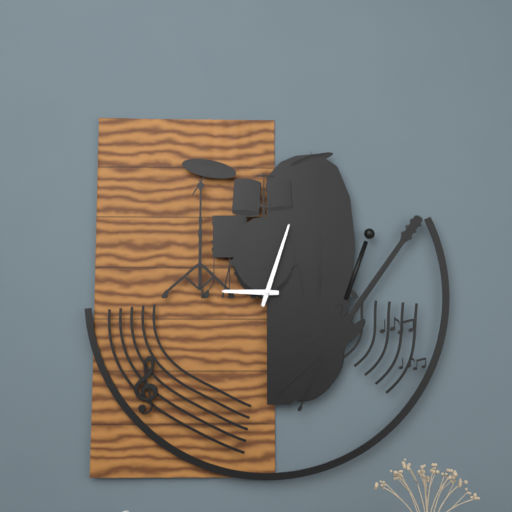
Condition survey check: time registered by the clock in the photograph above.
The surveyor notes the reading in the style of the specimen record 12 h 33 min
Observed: 9 h 03 min
